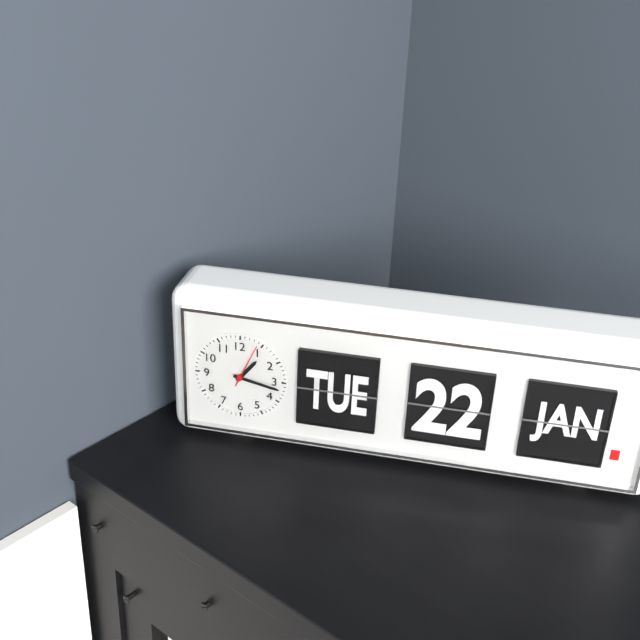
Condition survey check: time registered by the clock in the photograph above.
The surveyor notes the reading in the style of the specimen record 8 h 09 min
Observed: 1 h 17 min
